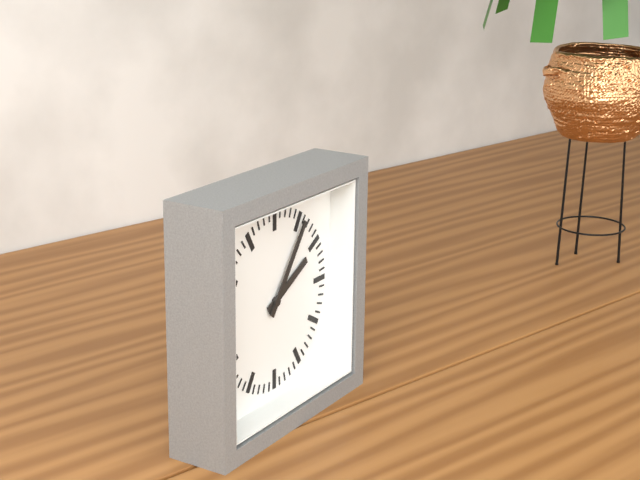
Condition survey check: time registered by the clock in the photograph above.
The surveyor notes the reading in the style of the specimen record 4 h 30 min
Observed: 2 h 06 min
